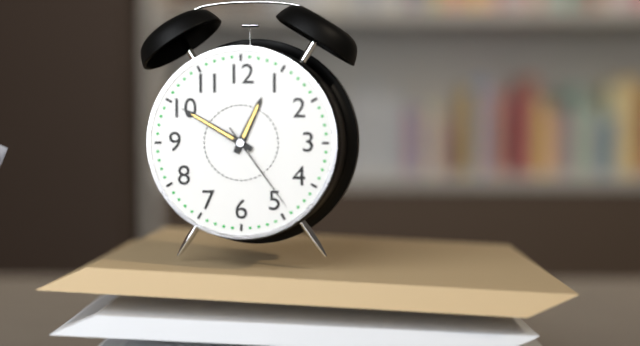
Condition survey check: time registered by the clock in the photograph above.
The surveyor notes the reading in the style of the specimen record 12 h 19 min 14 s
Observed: 12 h 50 min 24 s
